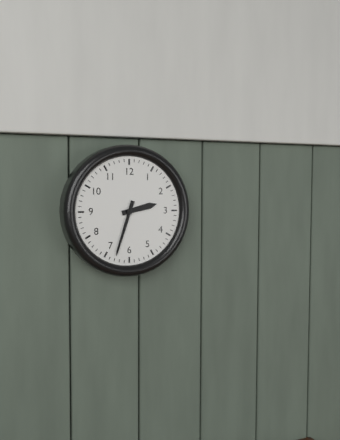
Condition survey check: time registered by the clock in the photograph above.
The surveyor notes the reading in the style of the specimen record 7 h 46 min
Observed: 2 h 33 min
